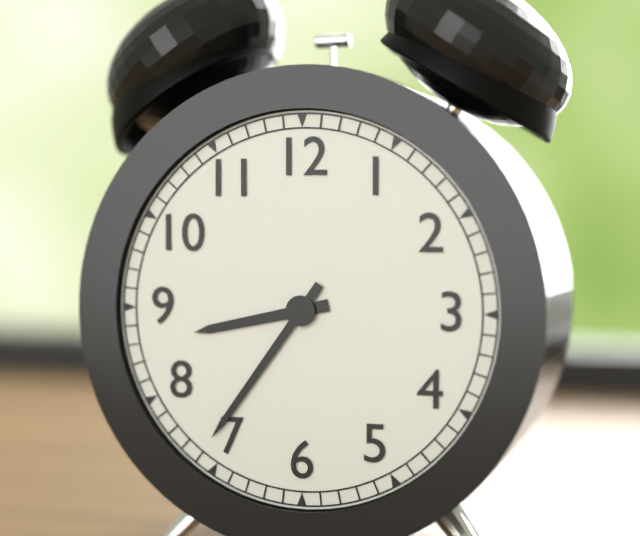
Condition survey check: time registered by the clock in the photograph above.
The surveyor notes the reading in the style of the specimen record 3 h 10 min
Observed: 8 h 36 min
